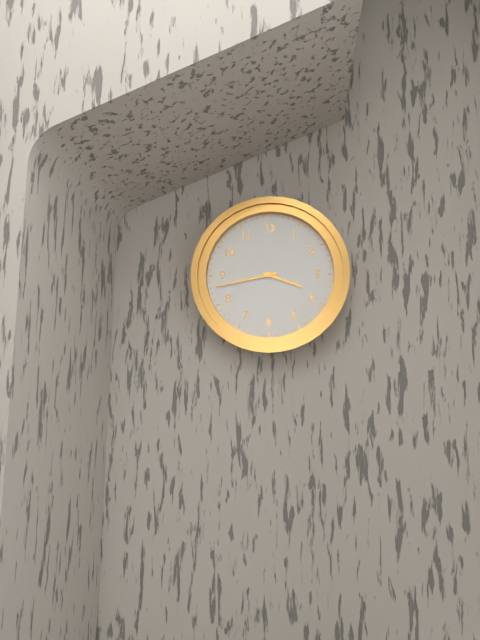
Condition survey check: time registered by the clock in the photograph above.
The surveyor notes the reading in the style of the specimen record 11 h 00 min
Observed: 3 h 43 min
